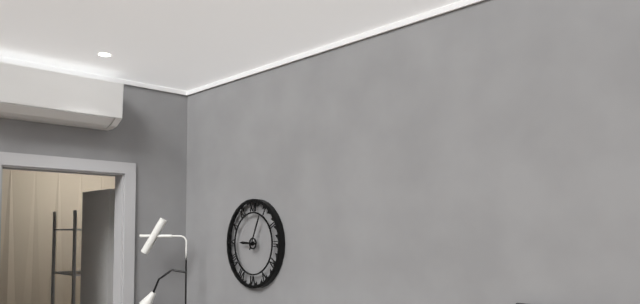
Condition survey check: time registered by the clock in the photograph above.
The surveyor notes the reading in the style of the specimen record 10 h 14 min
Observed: 9 h 04 min
